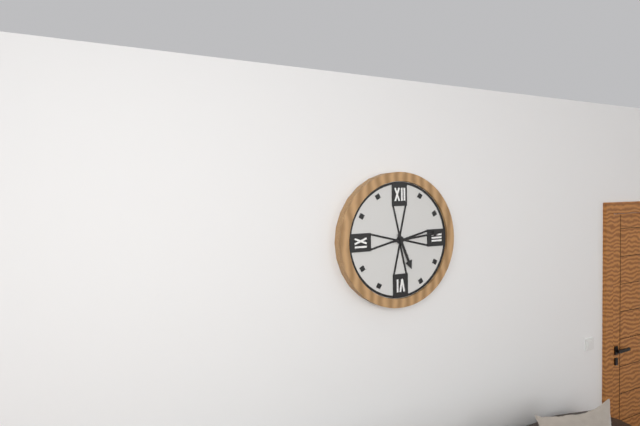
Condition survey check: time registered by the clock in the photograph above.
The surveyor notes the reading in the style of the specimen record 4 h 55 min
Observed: 5 h 14 min
